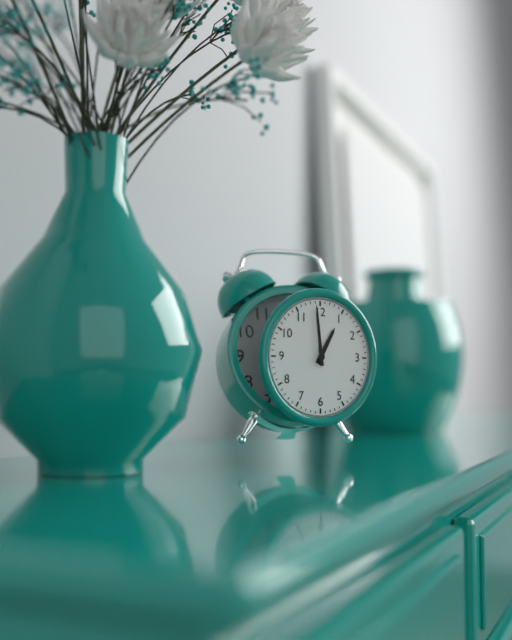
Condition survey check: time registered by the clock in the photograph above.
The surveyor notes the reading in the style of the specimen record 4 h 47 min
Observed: 12 h 59 min
